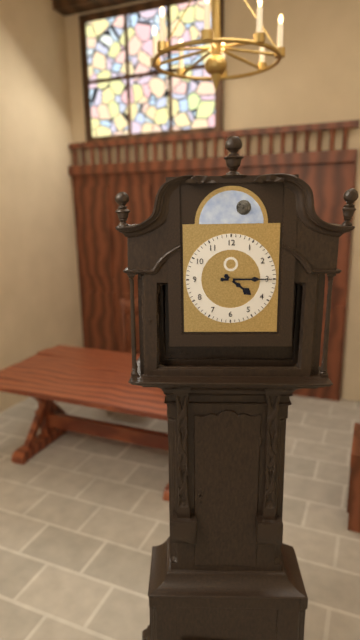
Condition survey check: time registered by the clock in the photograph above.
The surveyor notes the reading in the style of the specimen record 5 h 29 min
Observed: 4 h 15 min
